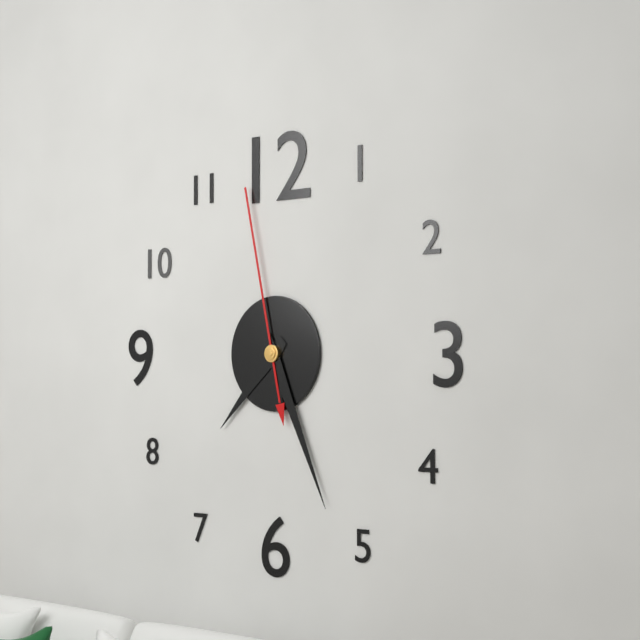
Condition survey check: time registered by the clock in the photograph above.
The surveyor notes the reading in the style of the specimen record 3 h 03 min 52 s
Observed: 7 h 26 min 58 s
